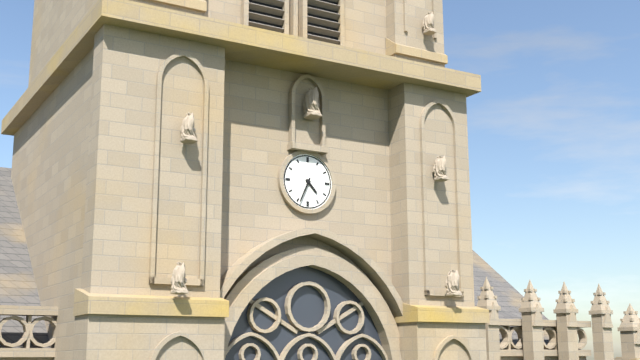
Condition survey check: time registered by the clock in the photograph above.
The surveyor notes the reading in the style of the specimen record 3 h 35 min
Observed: 4 h 34 min
